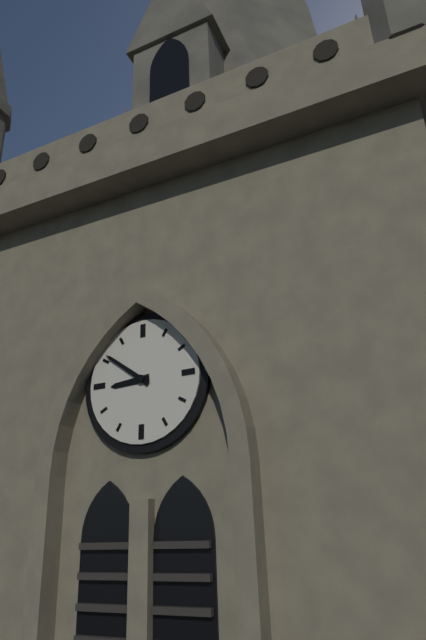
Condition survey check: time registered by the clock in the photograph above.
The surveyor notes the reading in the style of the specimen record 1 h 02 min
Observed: 8 h 51 min
